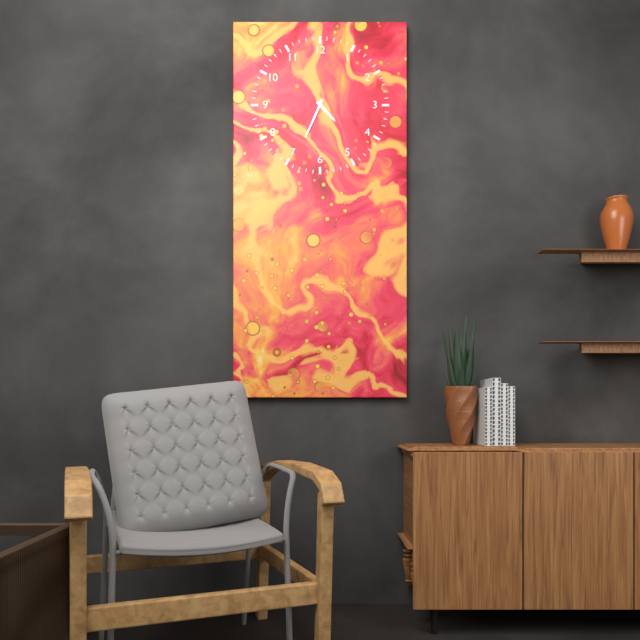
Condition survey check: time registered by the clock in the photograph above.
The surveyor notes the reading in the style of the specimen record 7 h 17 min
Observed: 4 h 34 min
